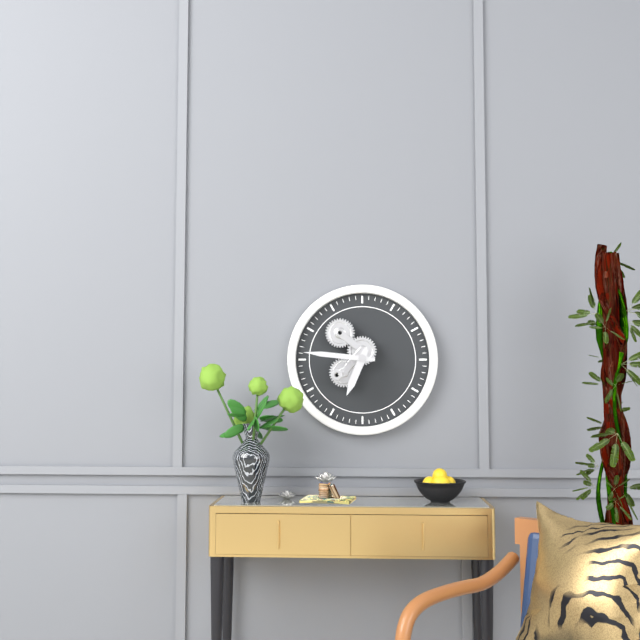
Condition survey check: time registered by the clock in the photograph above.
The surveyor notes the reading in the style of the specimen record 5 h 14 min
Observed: 6 h 46 min
